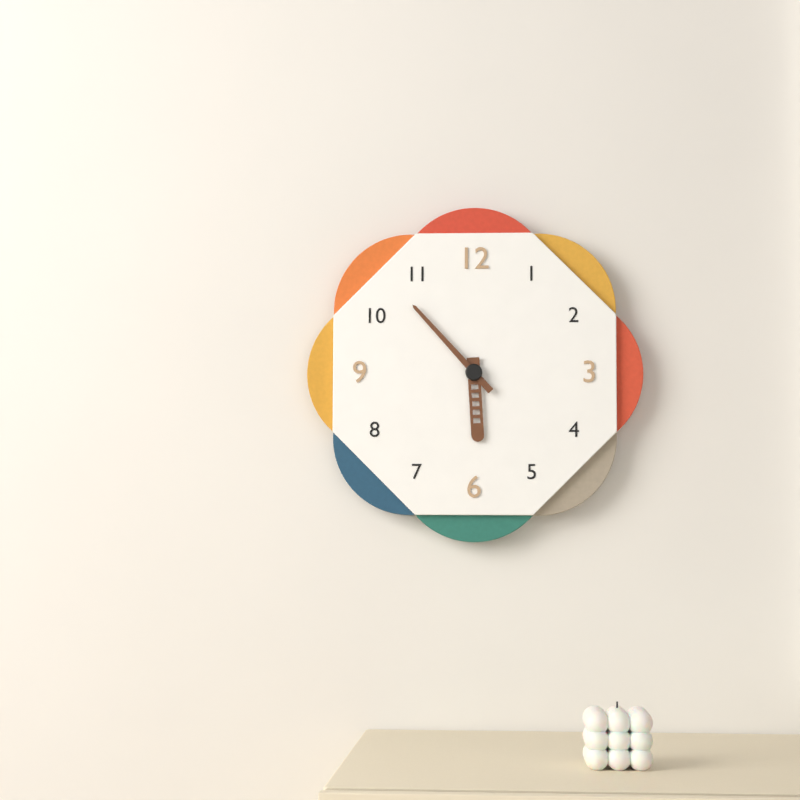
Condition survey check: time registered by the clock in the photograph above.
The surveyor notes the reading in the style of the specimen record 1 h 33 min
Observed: 5 h 53 min
